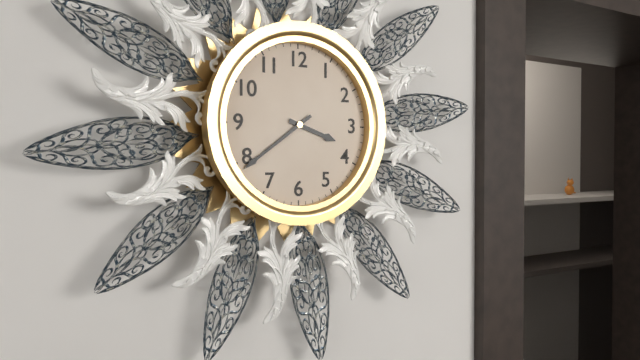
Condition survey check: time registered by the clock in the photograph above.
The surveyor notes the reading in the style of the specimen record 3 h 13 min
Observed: 3 h 39 min
